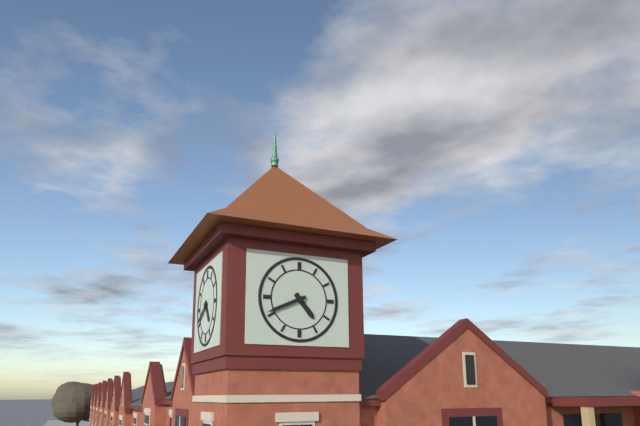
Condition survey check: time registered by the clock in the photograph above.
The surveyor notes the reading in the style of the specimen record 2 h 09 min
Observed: 4 h 41 min
